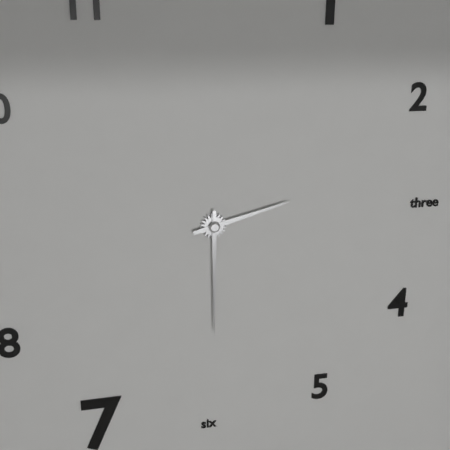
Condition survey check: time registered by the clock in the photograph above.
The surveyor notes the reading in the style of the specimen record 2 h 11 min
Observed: 2 h 30 min
